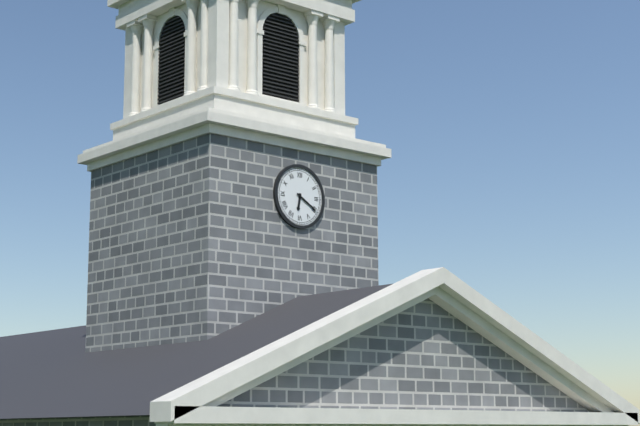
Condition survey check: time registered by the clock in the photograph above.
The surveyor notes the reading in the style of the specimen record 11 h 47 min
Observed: 6 h 20 min
